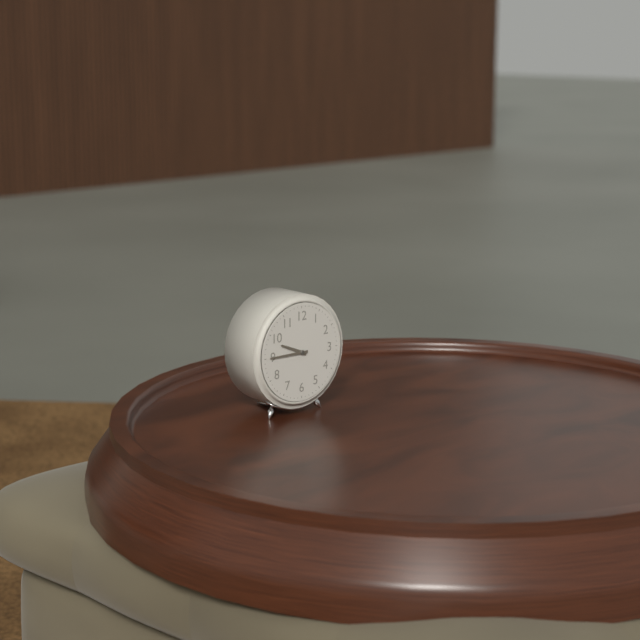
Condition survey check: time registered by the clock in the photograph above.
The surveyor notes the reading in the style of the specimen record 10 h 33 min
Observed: 9 h 45 min
